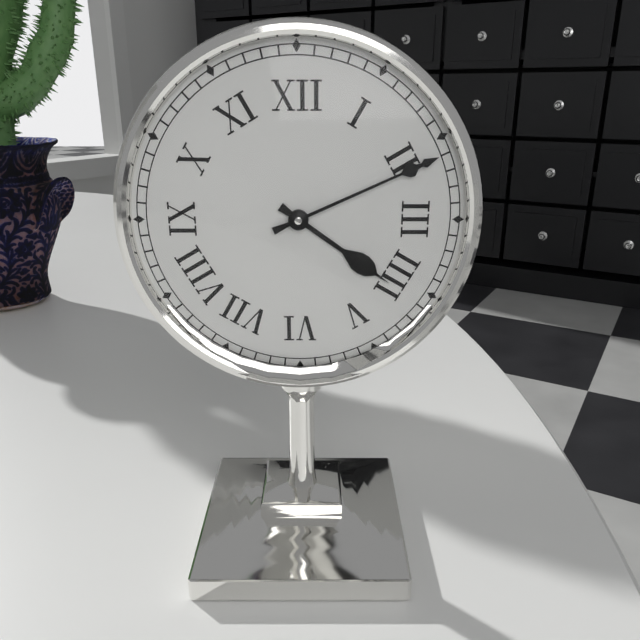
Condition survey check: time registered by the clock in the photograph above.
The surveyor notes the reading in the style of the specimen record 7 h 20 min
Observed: 4 h 11 min
